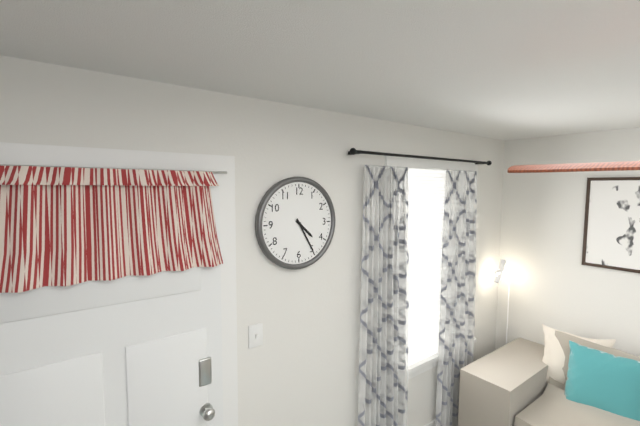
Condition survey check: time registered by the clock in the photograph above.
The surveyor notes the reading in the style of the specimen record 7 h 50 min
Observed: 4 h 25 min
